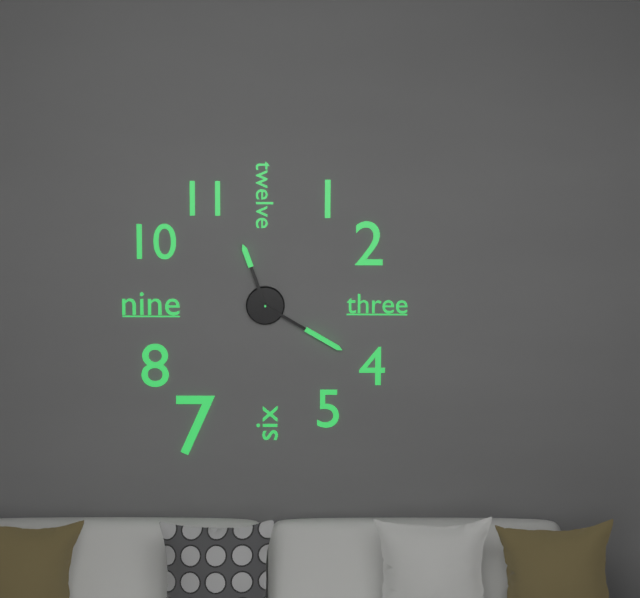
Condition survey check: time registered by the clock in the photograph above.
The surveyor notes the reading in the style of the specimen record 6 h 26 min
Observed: 11 h 20 min
